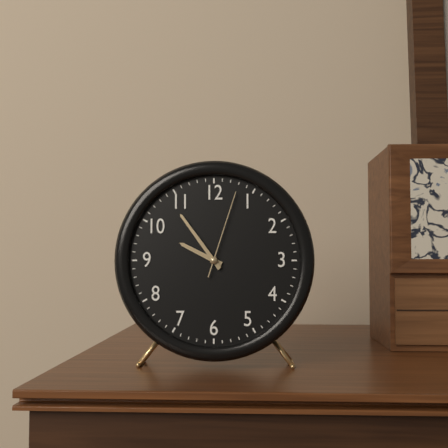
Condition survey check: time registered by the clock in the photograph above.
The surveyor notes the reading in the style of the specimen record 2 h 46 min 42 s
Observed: 9 h 54 min 03 s
